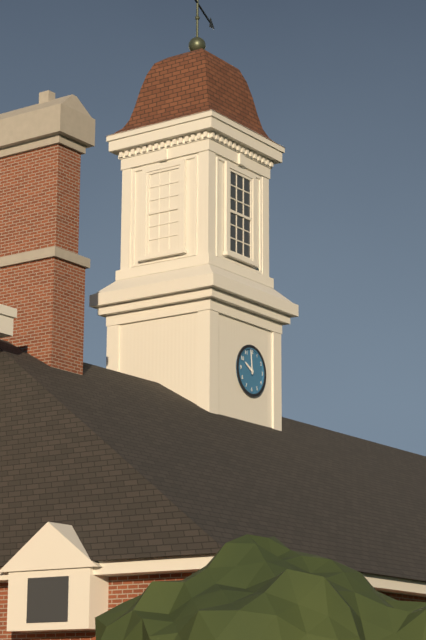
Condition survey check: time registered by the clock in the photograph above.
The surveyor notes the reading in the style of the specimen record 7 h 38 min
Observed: 9 h 59 min
